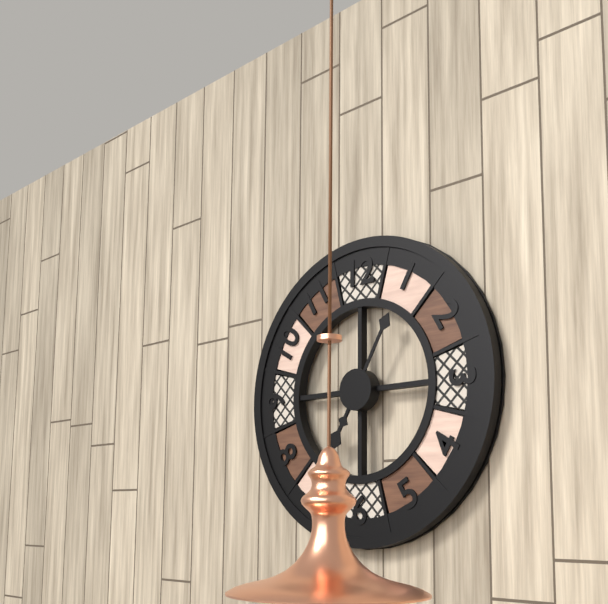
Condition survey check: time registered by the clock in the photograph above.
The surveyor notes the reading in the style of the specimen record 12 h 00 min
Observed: 7 h 05 min
